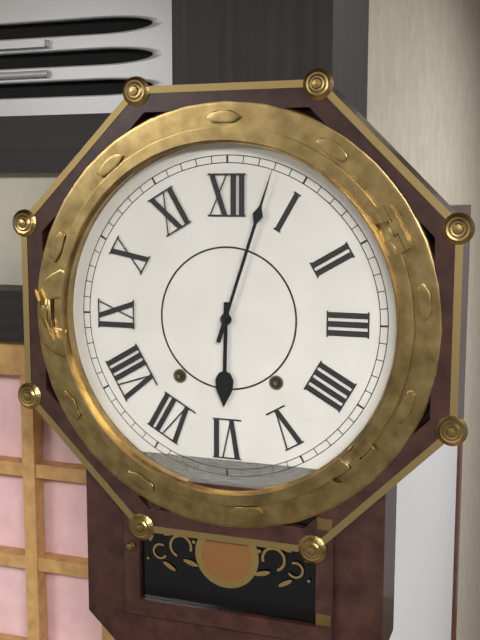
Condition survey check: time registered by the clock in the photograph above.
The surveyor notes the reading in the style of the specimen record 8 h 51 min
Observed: 6 h 03 min
